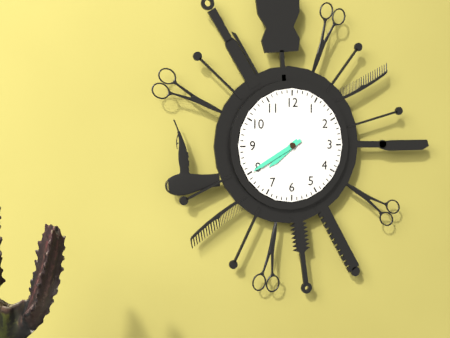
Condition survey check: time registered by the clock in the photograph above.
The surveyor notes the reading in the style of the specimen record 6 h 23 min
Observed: 7 h 40 min
